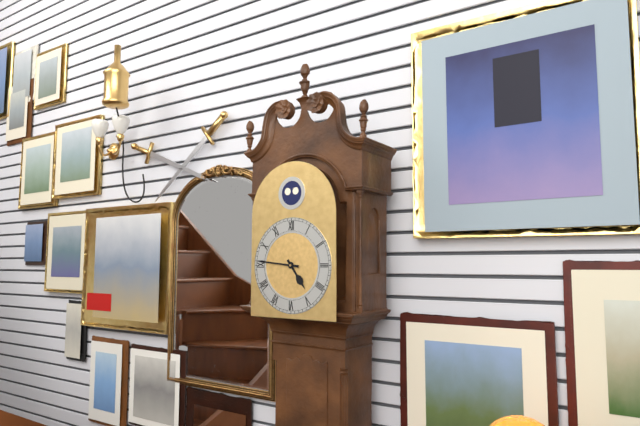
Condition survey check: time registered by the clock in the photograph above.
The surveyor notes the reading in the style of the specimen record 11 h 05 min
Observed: 4 h 46 min
